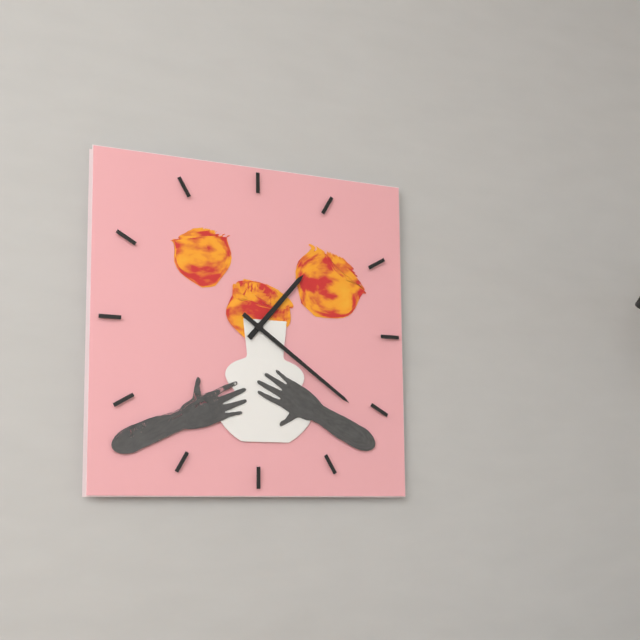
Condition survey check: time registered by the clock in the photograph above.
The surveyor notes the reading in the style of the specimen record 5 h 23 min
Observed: 1 h 21 min
